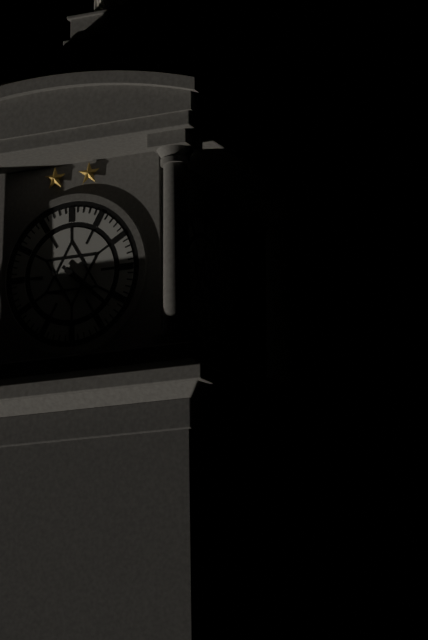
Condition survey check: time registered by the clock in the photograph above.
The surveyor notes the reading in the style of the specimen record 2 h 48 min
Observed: 4 h 22 min
